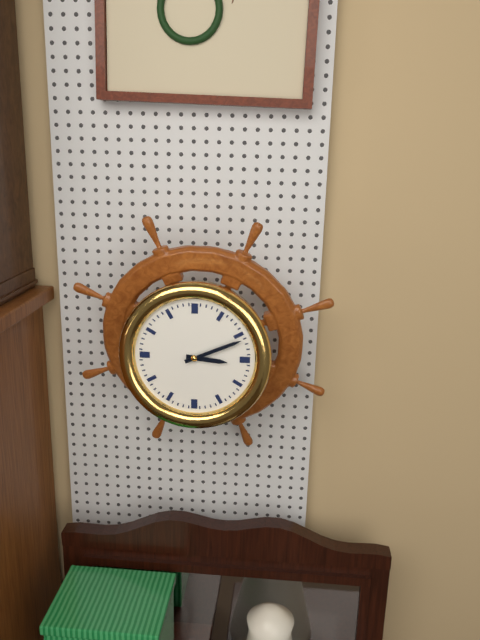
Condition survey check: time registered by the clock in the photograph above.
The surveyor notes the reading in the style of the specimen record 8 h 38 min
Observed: 3 h 11 min
